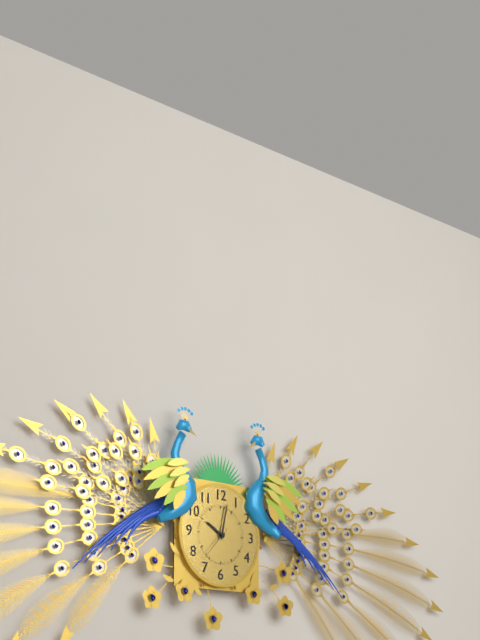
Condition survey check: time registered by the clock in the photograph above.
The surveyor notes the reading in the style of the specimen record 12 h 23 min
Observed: 10 h 02 min
